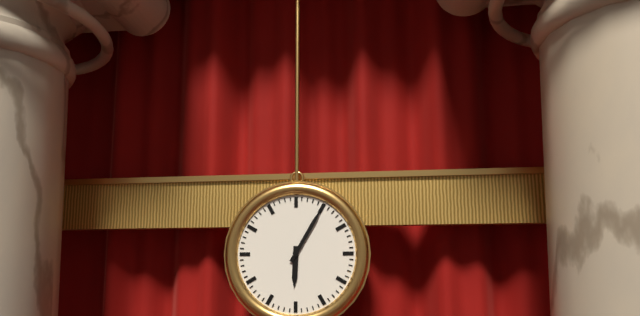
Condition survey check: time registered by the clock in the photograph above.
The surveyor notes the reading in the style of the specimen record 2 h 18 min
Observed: 6 h 05 min
